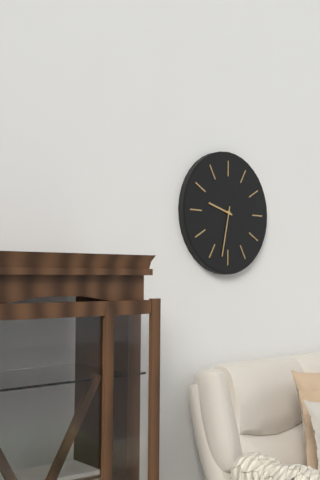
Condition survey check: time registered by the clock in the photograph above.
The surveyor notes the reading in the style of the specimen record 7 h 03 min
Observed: 9 h 32 min
